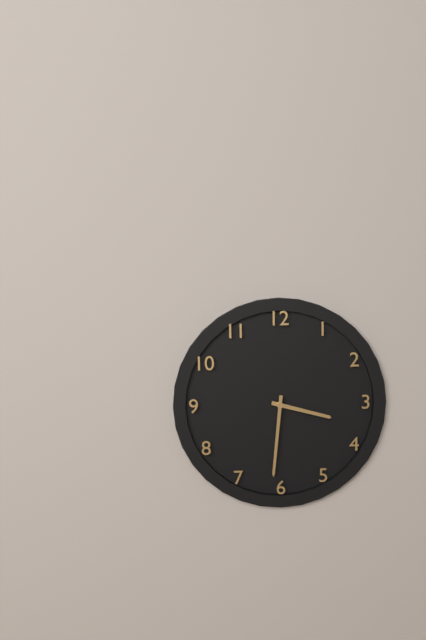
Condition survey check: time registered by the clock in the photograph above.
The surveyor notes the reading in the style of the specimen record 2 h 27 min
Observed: 3 h 31 min
